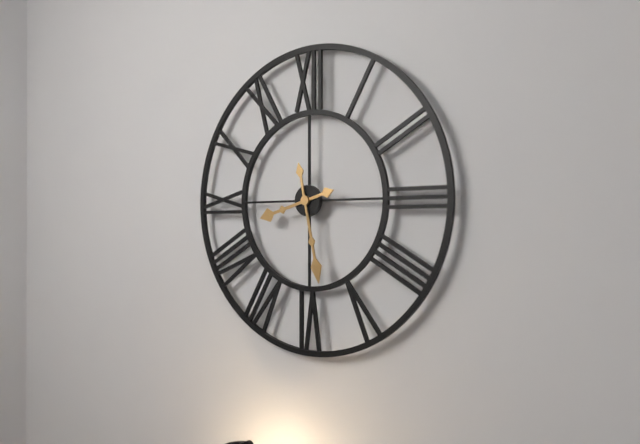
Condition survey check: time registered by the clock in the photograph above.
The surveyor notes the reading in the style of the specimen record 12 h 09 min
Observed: 8 h 28 min
